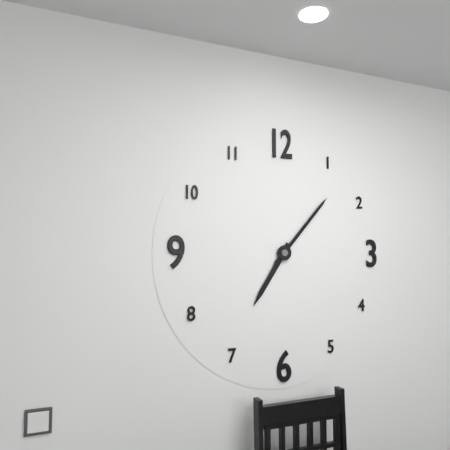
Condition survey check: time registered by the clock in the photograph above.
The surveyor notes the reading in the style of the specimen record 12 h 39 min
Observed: 7 h 07 min
